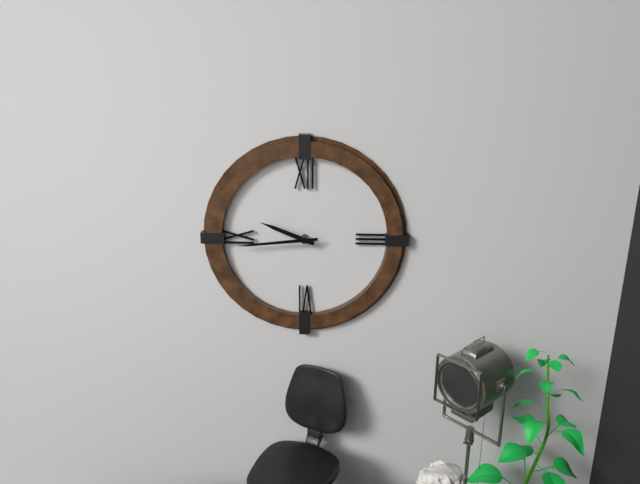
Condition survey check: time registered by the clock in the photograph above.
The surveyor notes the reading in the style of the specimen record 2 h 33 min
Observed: 9 h 44 min
